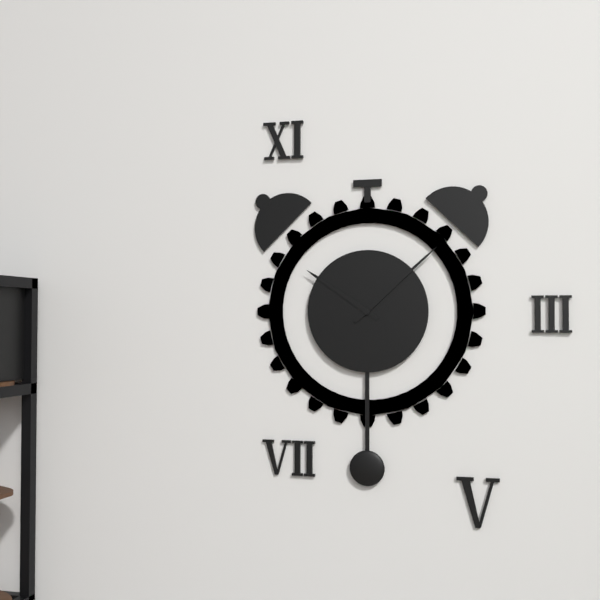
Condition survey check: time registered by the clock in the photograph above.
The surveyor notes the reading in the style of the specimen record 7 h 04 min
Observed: 10 h 08 min
